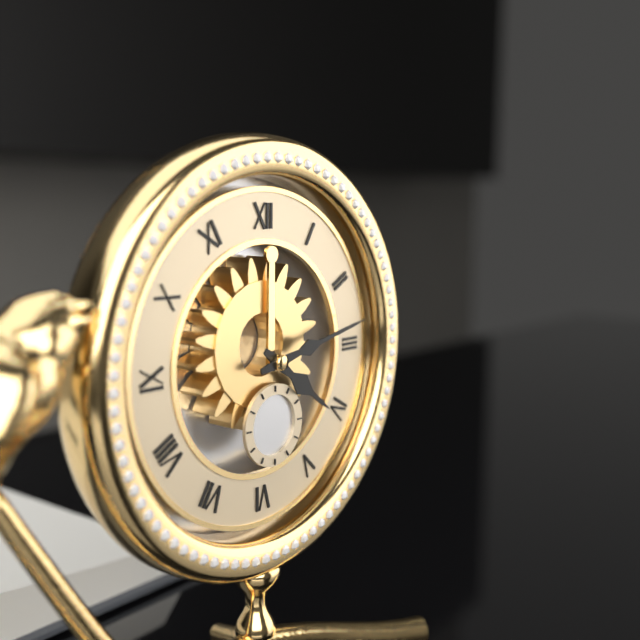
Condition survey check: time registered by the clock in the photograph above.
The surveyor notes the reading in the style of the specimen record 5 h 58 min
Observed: 4 h 13 min
